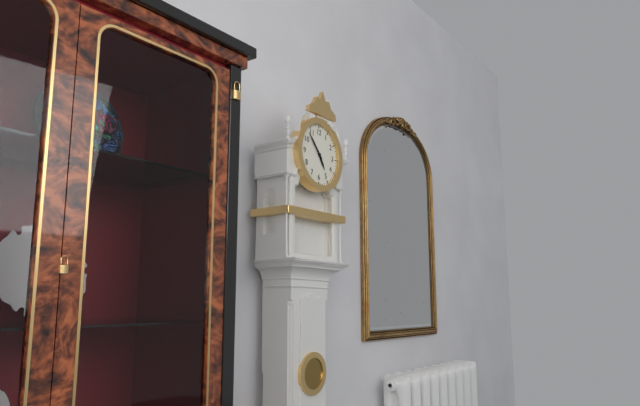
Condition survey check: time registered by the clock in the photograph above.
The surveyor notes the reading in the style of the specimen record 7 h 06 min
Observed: 4 h 53 min
